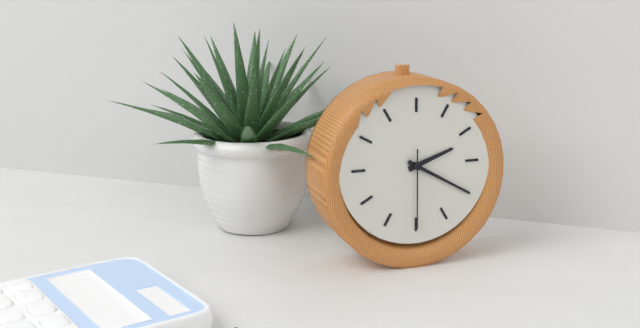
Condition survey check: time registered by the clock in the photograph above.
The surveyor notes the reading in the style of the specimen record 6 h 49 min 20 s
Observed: 2 h 20 min 30 s
